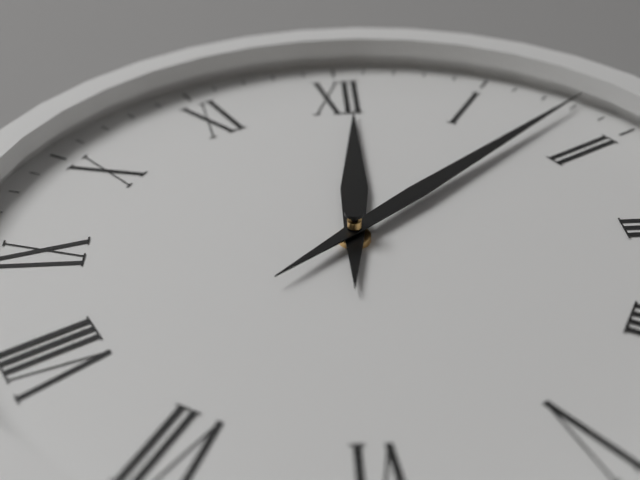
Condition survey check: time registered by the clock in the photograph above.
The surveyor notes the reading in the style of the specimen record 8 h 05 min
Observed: 12 h 08 min
